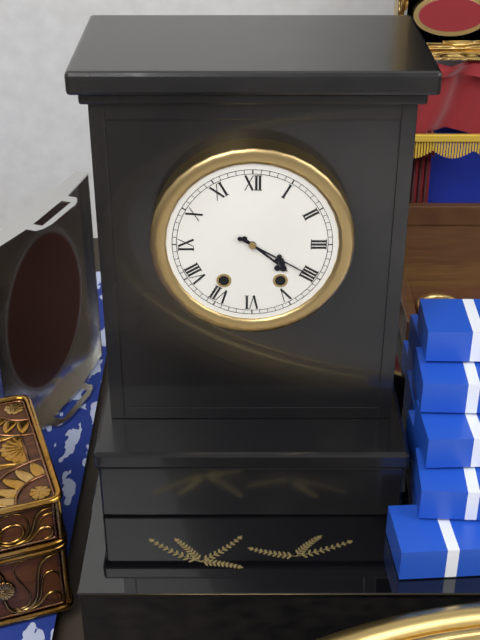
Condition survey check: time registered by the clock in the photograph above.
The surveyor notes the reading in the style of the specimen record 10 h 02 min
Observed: 4 h 20 min
